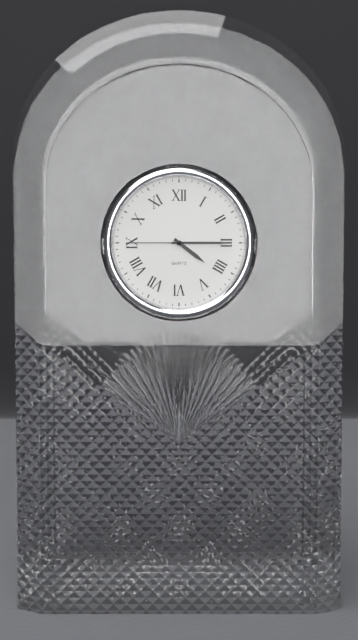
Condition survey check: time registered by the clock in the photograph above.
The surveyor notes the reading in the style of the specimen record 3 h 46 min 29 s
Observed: 4 h 15 min 45 s
